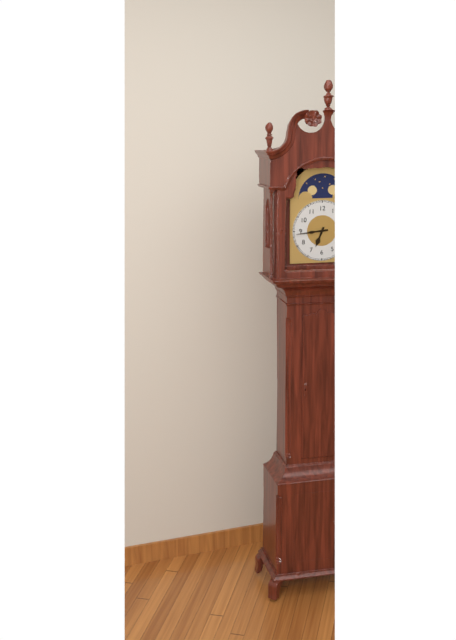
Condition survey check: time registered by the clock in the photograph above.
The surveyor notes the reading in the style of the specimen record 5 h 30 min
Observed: 6 h 44 min
